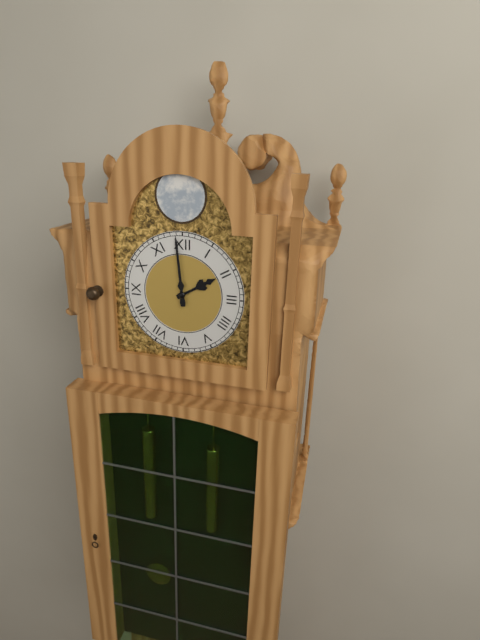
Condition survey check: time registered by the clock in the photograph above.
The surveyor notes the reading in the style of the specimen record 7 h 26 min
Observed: 1 h 59 min
